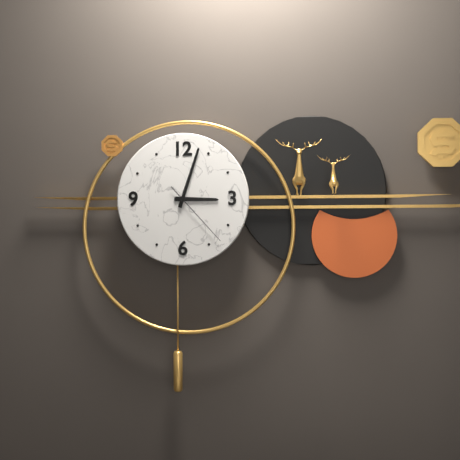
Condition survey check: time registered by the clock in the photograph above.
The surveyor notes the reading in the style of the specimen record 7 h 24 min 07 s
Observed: 3 h 03 min 23 s
